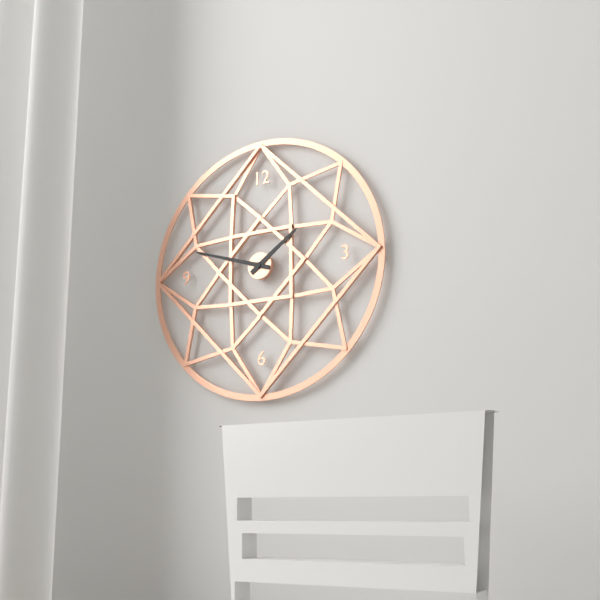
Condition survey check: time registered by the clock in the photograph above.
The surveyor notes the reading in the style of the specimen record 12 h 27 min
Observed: 1 h 48 min
